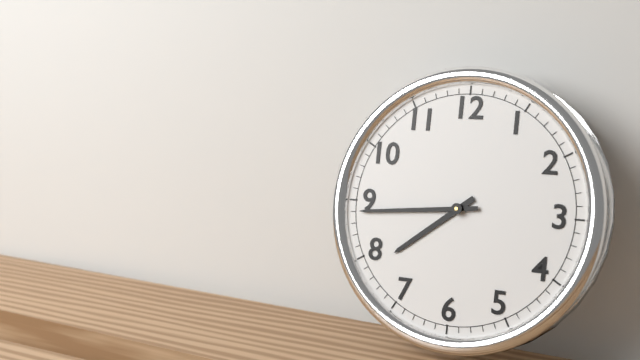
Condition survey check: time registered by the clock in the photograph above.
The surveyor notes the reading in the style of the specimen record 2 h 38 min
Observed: 7 h 44 min
